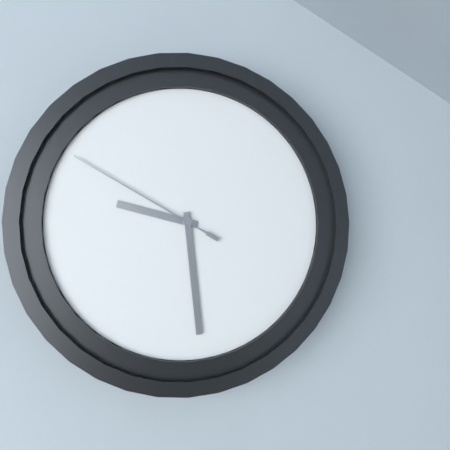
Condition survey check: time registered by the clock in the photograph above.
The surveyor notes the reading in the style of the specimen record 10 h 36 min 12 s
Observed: 9 h 29 min 50 s
